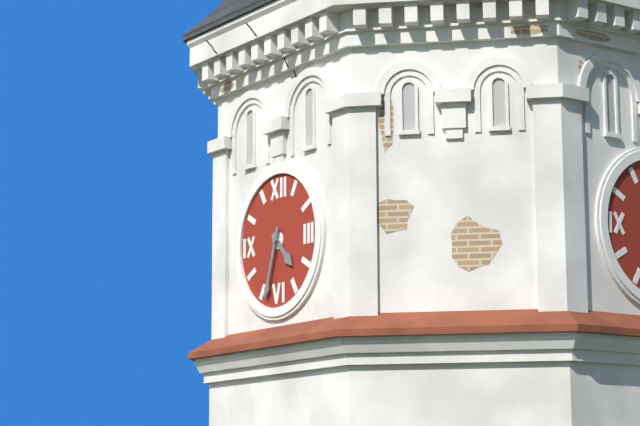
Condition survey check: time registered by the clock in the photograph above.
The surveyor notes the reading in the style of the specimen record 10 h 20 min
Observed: 4 h 33 min
